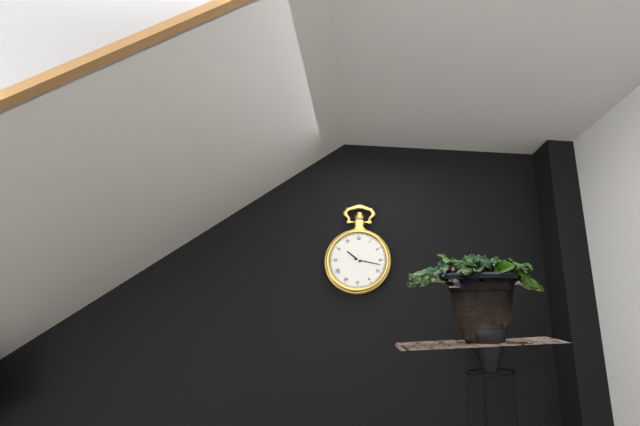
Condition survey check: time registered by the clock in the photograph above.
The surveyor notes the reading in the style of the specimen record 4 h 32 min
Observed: 10 h 17 min
